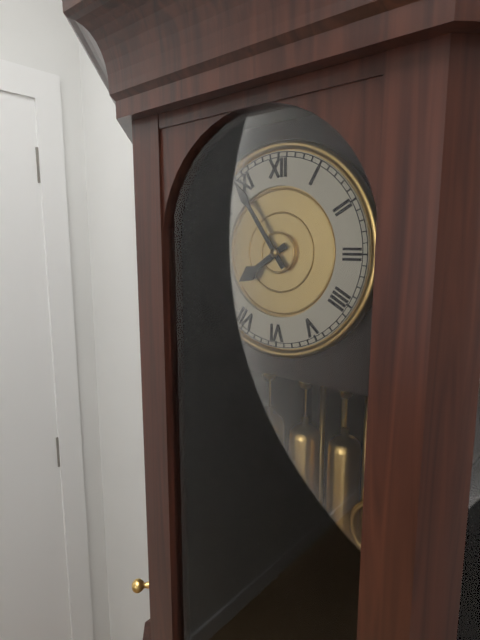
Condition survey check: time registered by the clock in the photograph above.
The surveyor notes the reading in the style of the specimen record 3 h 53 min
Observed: 7 h 54 min
